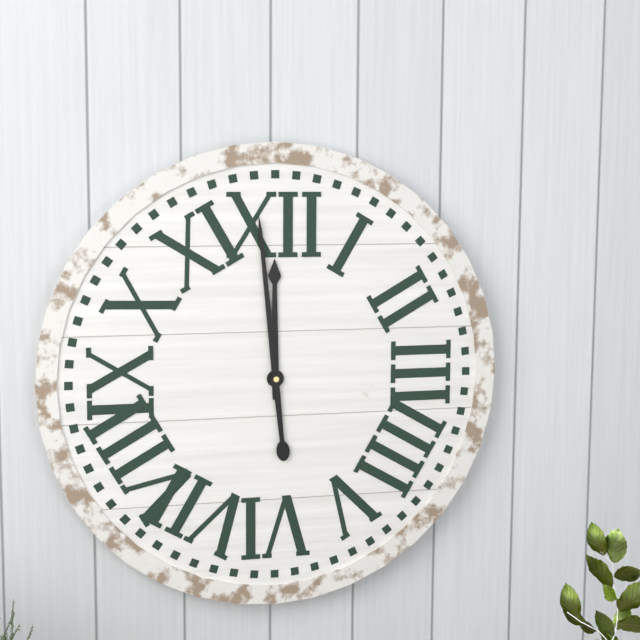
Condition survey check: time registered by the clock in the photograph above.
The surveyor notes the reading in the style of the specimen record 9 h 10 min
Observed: 11 h 59 min
